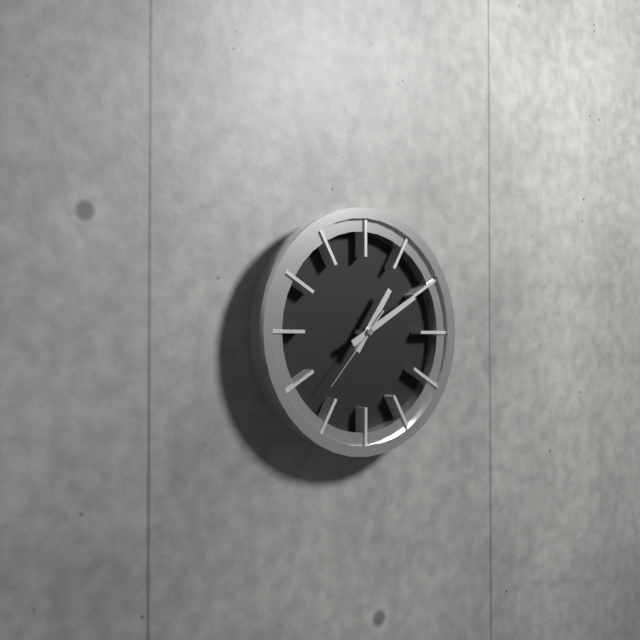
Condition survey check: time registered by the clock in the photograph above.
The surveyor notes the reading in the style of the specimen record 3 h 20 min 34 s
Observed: 1 h 10 min 37 s
